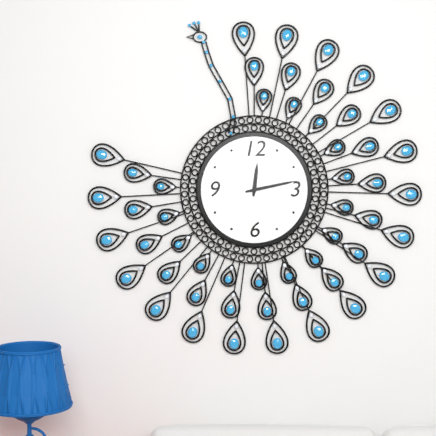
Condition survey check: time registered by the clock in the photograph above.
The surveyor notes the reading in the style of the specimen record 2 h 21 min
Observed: 12 h 13 min
